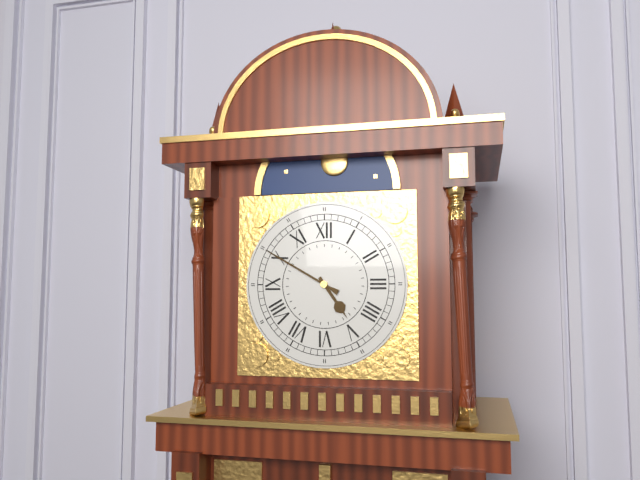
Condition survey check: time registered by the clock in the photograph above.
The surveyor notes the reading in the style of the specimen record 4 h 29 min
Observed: 4 h 50 min
